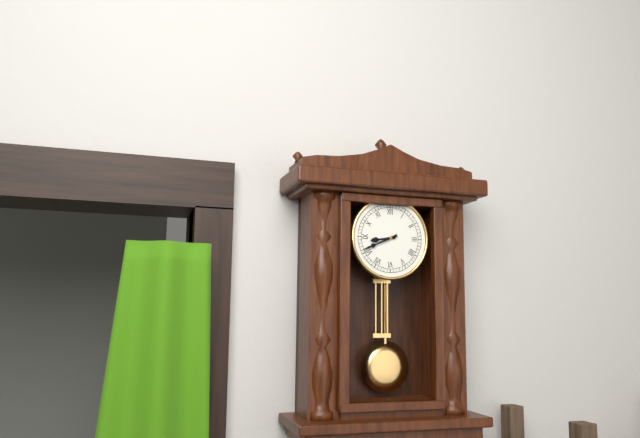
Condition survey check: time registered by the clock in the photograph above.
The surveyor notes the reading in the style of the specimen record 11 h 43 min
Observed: 8 h 41 min
